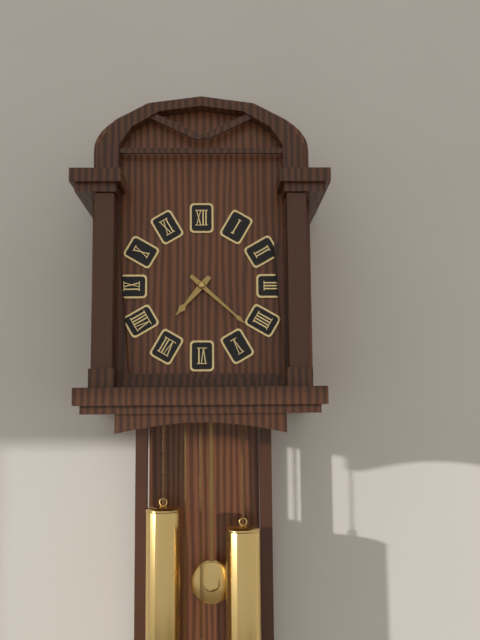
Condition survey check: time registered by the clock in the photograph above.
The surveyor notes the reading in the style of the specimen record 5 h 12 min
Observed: 7 h 22 min
